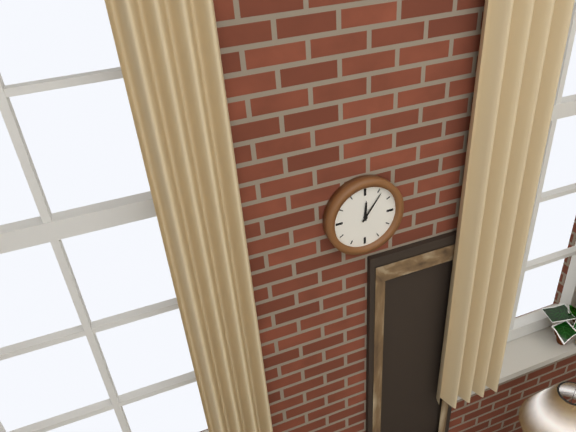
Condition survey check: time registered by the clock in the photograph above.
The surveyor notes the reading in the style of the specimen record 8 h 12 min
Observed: 12 h 06 min
